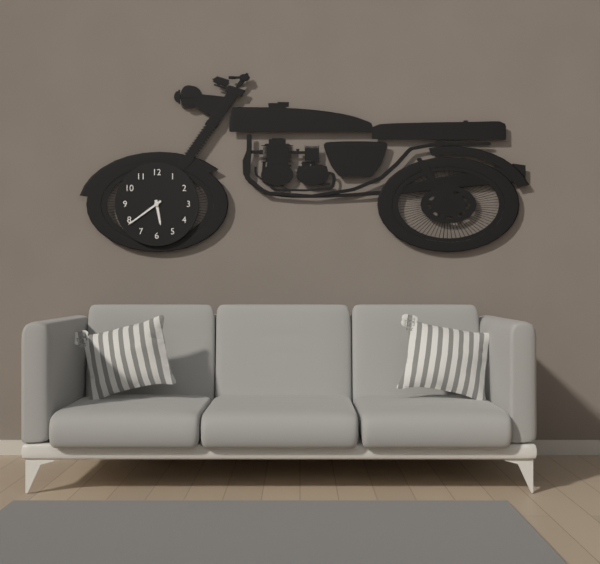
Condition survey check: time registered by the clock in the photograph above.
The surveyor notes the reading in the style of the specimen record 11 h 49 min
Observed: 5 h 39 min
